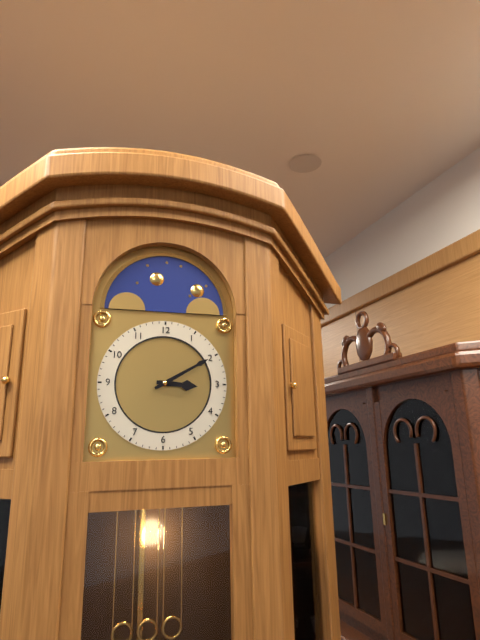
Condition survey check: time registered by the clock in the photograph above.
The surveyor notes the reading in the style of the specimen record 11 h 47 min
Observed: 3 h 10 min
